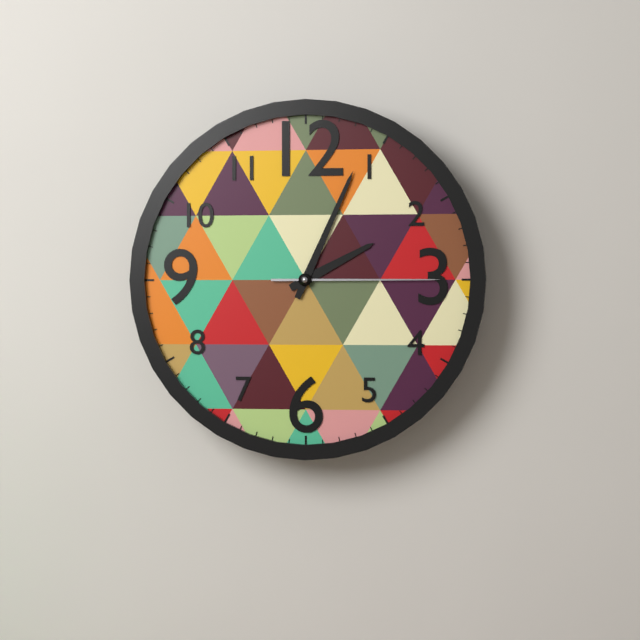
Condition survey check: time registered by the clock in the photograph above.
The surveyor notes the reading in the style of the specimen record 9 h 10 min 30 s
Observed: 2 h 04 min 15 s
